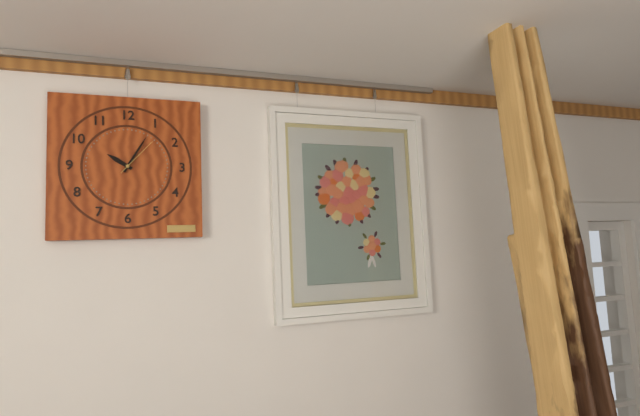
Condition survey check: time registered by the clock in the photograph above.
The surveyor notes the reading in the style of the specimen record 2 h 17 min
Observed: 10 h 05 min
